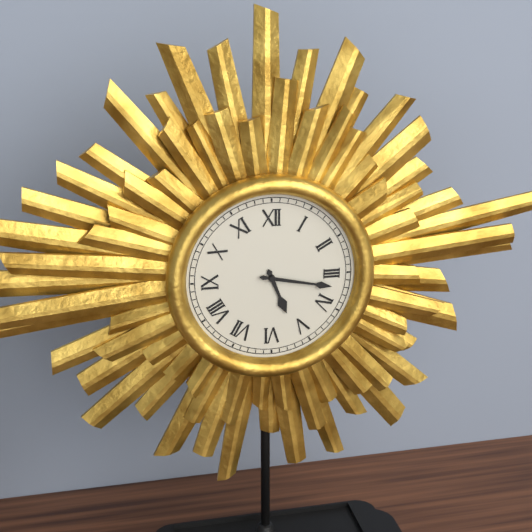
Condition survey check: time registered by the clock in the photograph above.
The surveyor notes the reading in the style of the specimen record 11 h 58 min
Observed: 5 h 17 min
